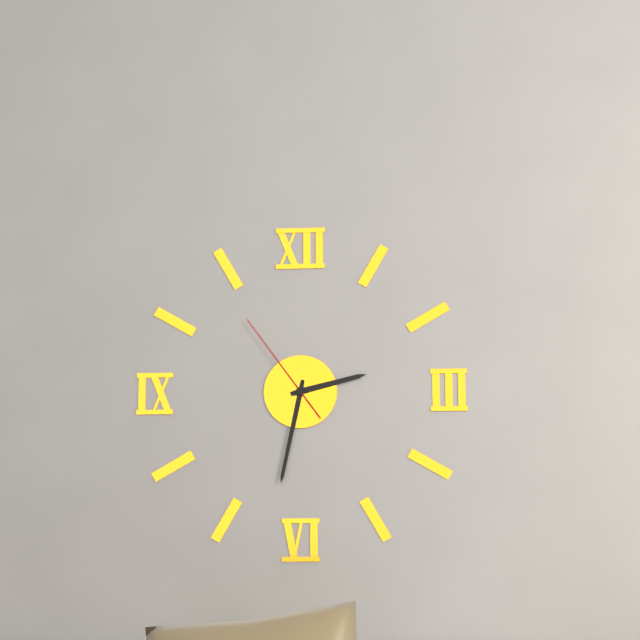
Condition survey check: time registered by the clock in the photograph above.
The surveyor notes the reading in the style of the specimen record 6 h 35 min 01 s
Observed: 2 h 32 min 54 s
